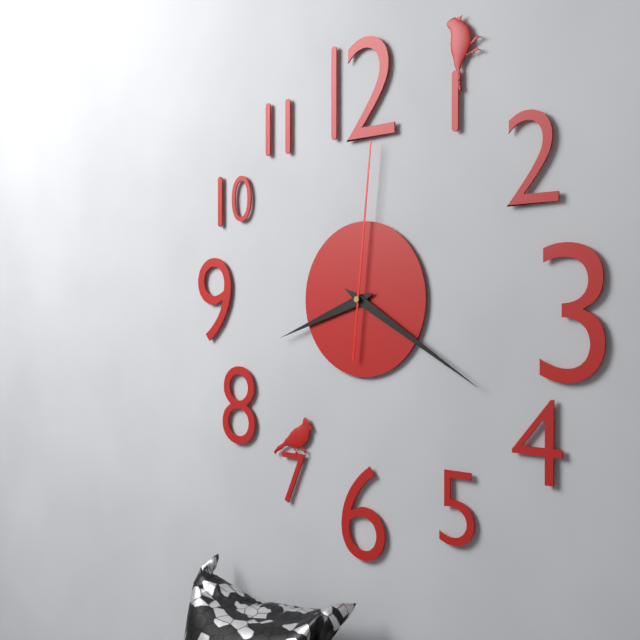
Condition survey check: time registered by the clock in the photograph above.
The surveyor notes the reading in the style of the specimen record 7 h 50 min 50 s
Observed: 8 h 20 min 01 s
